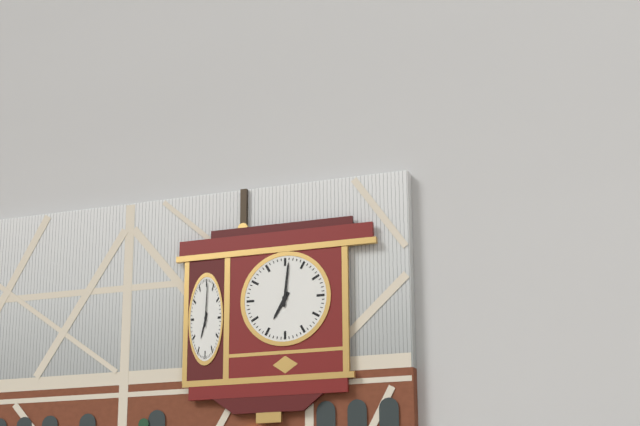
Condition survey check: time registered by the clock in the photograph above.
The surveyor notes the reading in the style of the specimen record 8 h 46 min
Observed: 7 h 01 min
